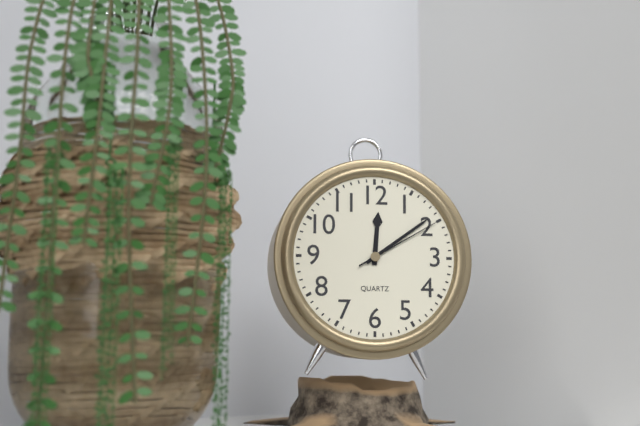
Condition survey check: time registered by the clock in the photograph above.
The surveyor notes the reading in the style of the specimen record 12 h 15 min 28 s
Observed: 12 h 09 min 10 s
